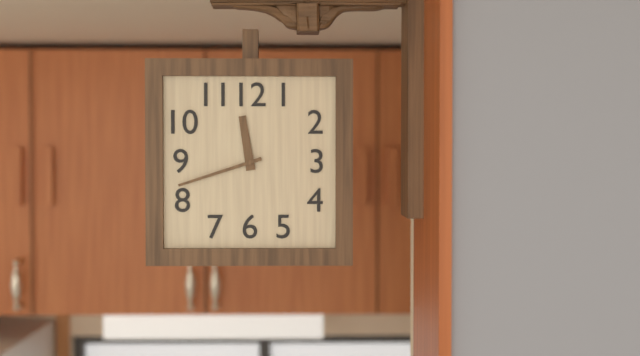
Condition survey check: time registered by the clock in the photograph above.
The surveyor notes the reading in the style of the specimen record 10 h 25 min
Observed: 11 h 42 min
